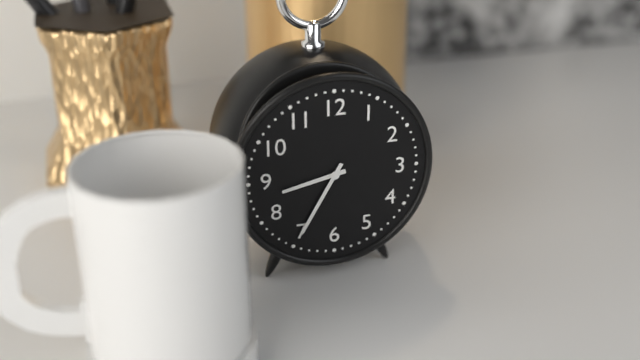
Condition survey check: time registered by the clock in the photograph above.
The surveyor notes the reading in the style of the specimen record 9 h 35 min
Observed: 8 h 35 min
